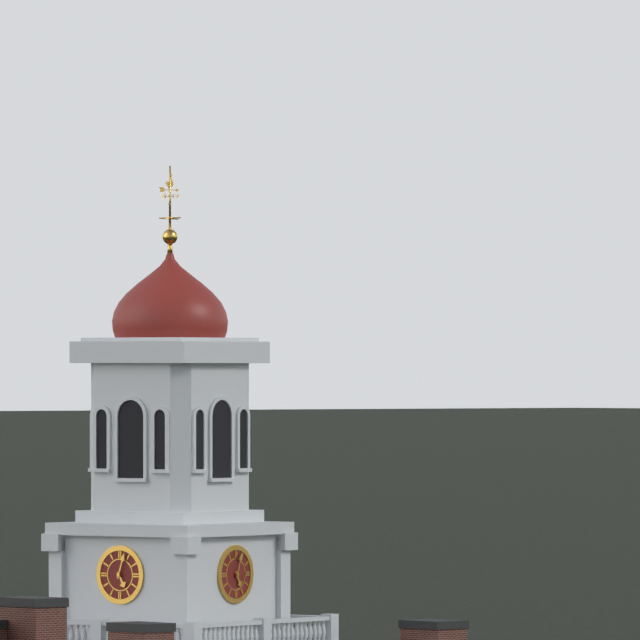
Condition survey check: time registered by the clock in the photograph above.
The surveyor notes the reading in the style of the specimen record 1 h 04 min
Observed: 5 h 03 min
